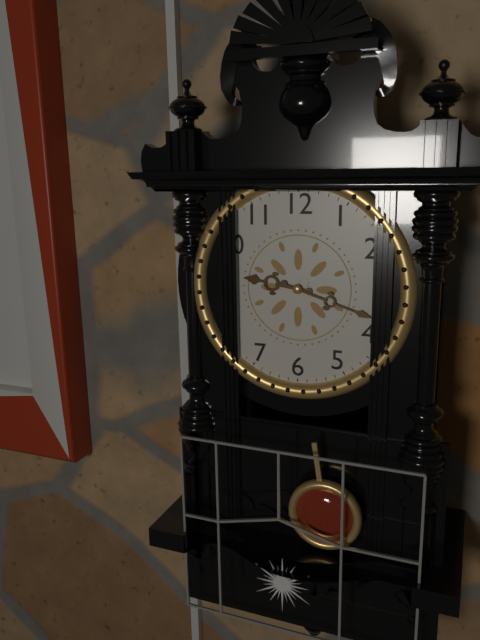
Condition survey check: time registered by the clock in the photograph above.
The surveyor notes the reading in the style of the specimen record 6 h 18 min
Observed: 9 h 18 min
